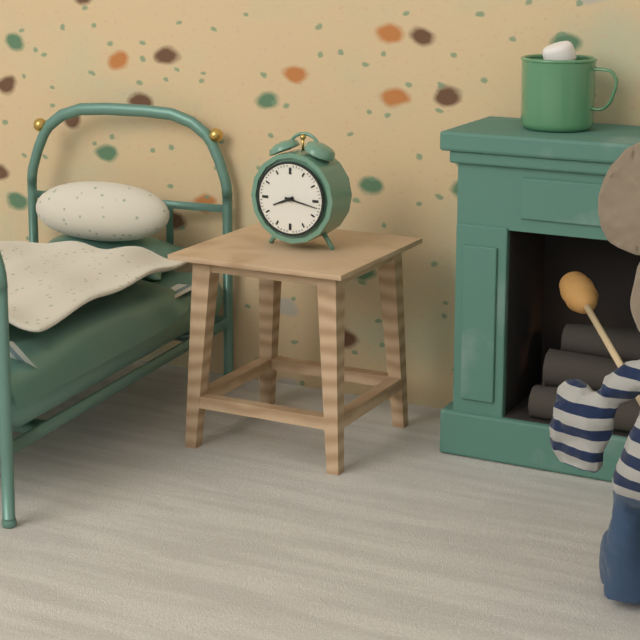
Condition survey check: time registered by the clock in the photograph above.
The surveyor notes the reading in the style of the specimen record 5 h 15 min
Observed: 8 h 17 min
